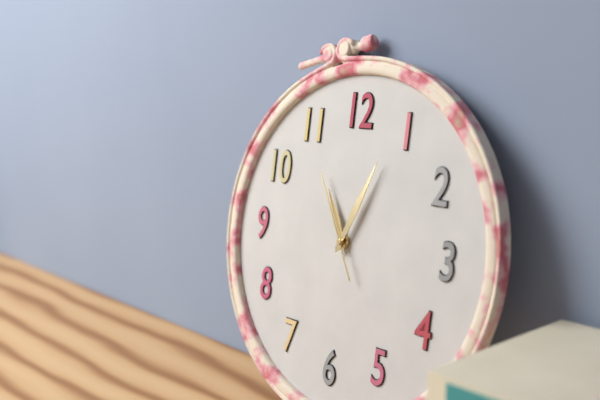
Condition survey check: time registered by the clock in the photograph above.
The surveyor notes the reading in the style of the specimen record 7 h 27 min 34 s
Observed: 11 h 04 min 55 s
